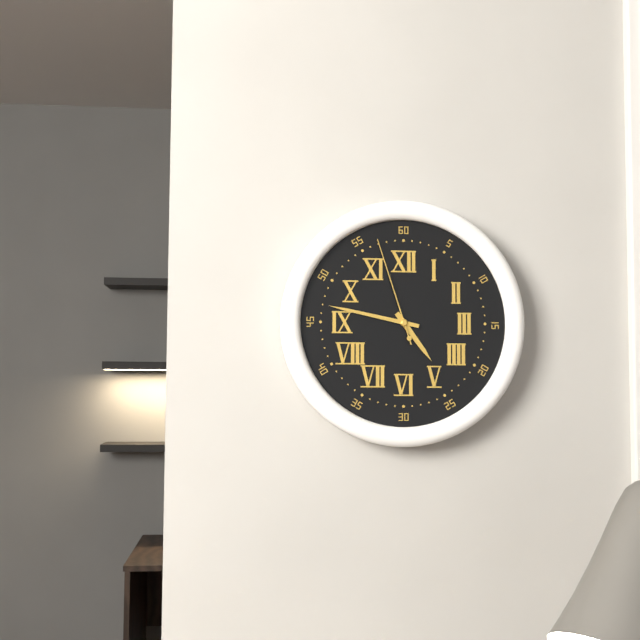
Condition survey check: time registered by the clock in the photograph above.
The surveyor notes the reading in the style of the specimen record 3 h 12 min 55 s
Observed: 4 h 47 min 57 s
